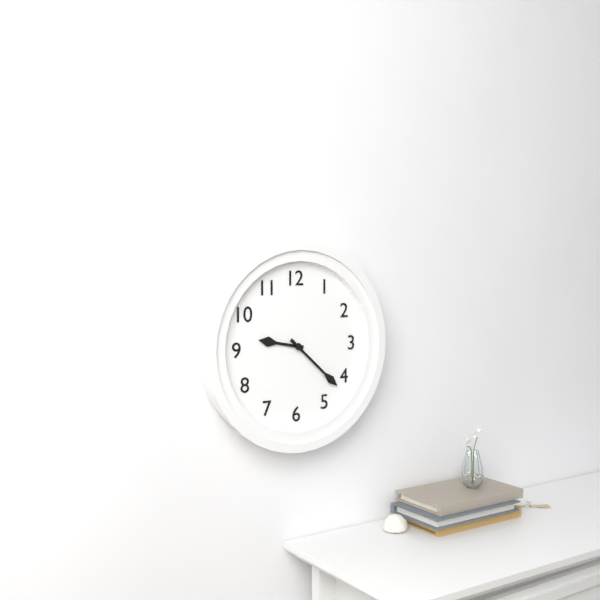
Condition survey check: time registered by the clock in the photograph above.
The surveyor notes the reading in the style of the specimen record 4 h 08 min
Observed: 9 h 22 min
